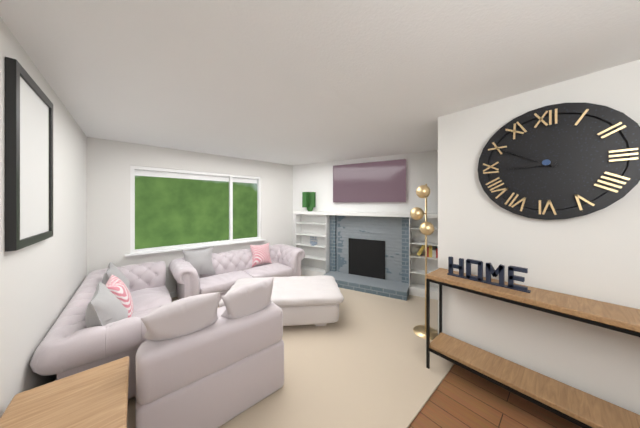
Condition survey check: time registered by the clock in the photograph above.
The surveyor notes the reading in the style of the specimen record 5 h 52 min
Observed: 8 h 50 min
